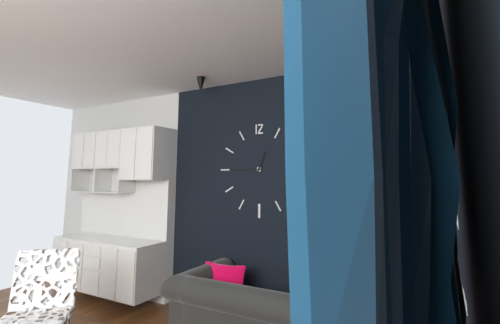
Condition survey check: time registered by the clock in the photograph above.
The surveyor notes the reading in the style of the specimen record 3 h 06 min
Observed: 12 h 45 min
